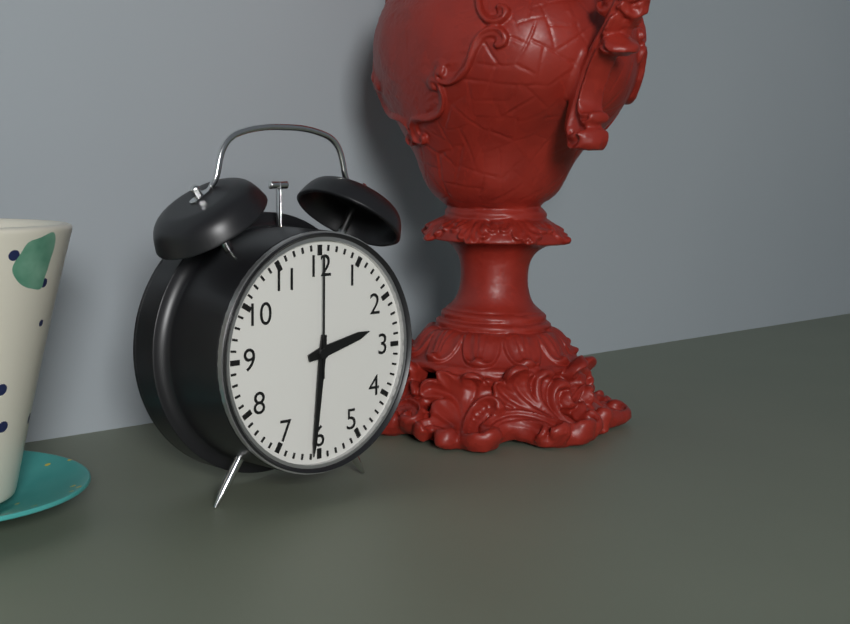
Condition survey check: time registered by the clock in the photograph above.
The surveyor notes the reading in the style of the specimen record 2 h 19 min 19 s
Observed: 2 h 31 min 00 s
